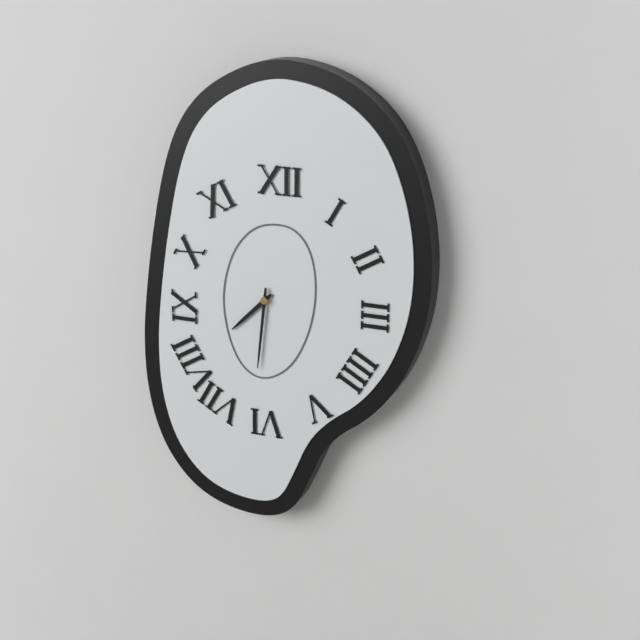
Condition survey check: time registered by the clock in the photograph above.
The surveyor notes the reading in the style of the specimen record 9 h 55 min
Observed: 7 h 31 min
